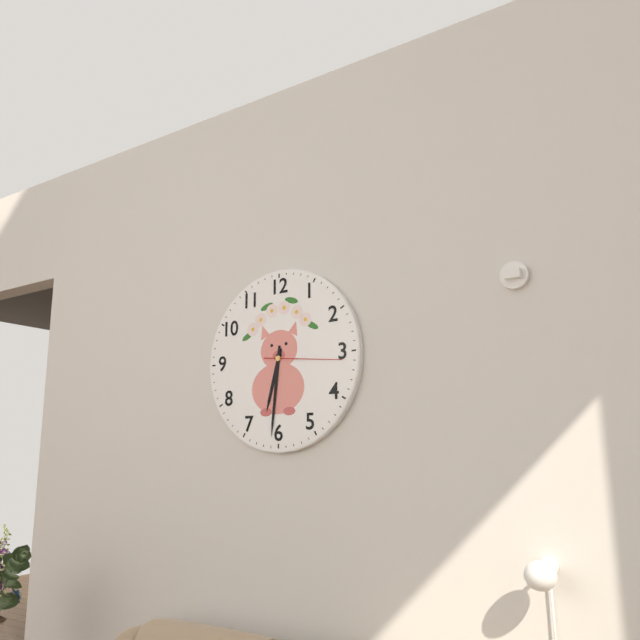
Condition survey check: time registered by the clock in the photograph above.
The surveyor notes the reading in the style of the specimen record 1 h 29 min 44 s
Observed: 6 h 31 min 16 s
